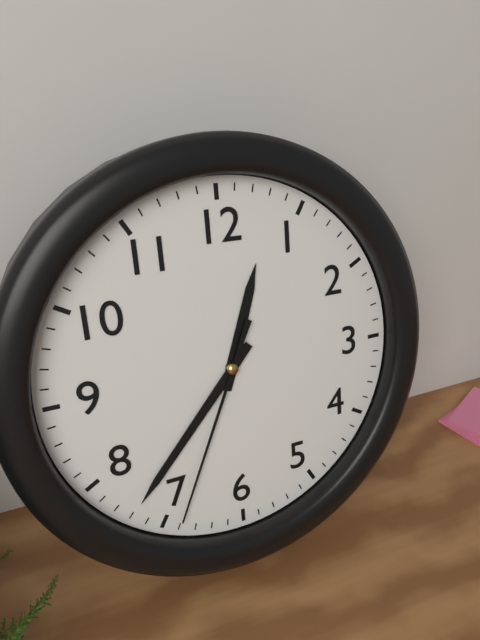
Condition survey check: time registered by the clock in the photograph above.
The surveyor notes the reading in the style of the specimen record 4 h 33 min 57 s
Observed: 12 h 37 min 34 s
